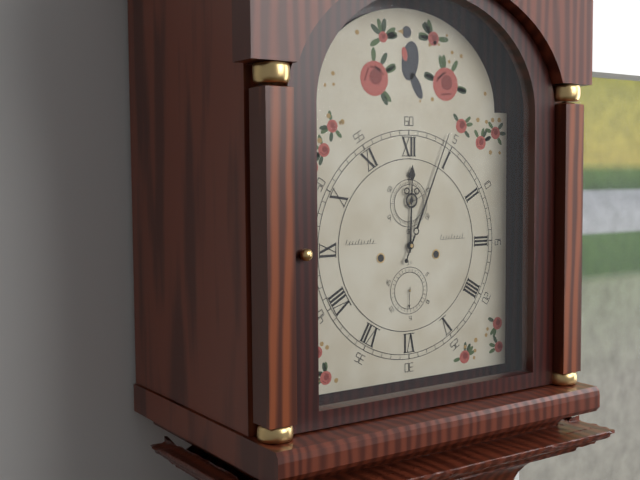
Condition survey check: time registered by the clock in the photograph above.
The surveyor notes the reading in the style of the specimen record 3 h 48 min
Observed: 12 h 04 min
